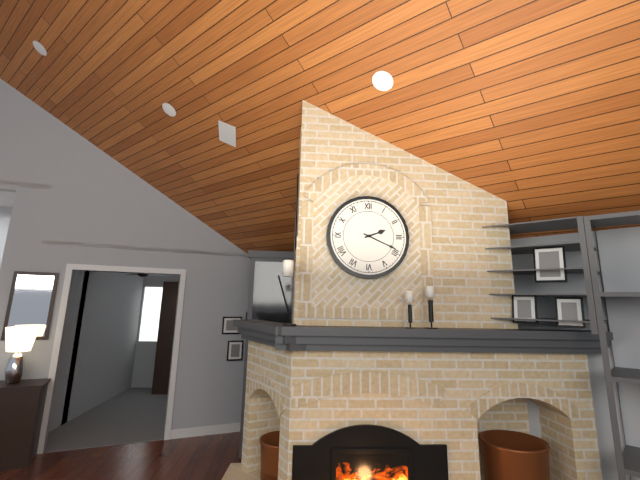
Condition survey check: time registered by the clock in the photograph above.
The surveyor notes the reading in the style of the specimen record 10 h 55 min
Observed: 2 h 19 min
